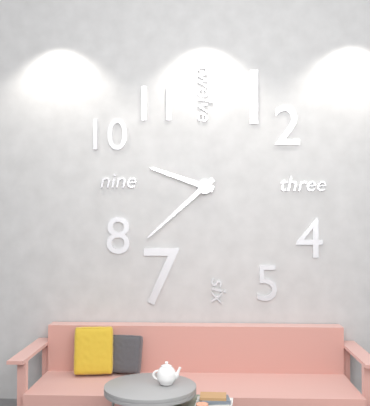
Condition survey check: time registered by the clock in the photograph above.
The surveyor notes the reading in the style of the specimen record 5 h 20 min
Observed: 9 h 38 min
